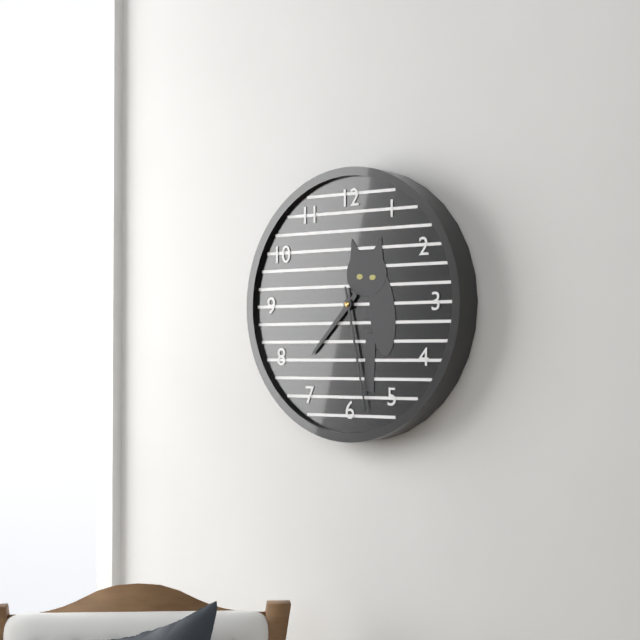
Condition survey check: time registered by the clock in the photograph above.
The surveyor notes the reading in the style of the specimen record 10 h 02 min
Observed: 7 h 28 min
